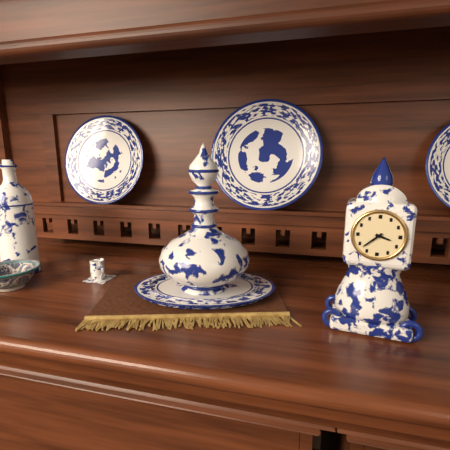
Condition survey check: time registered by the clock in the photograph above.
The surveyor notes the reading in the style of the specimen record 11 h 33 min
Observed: 3 h 38 min
